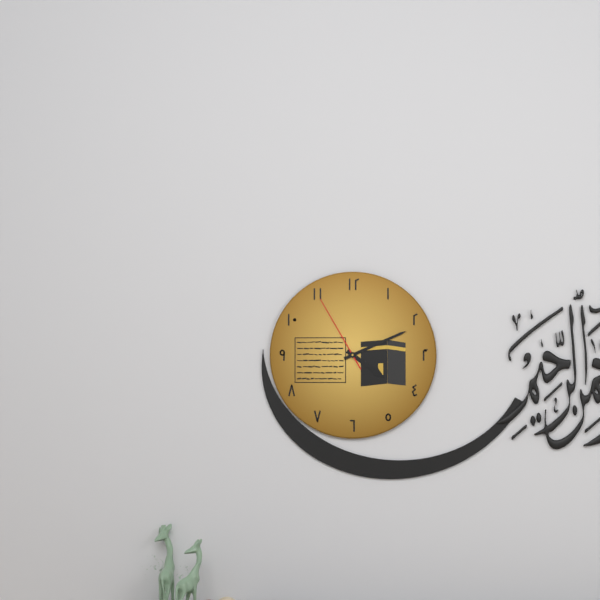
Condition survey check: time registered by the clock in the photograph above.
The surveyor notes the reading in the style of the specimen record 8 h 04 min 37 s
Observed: 4 h 11 min 55 s
